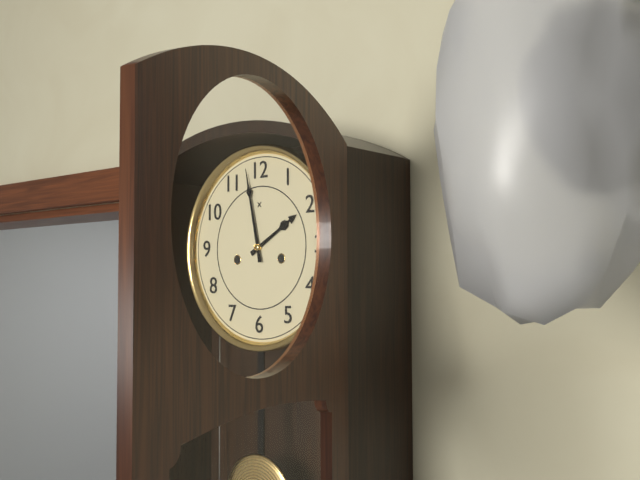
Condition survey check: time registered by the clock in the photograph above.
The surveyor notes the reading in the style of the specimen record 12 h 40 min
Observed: 1 h 58 min
